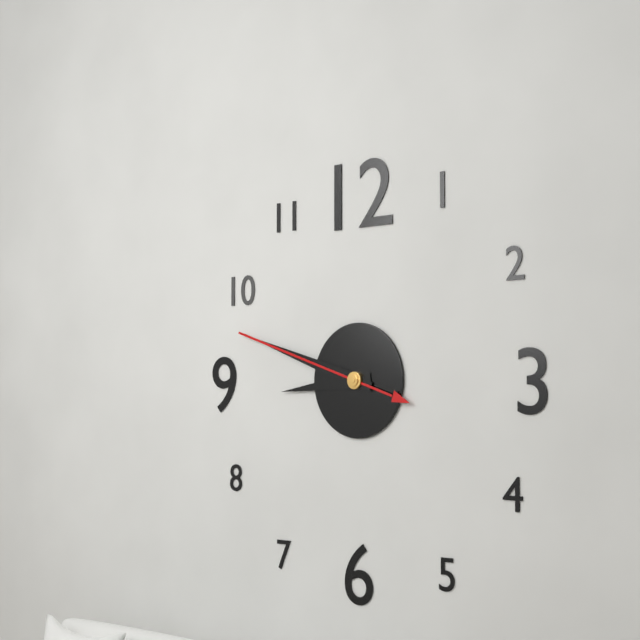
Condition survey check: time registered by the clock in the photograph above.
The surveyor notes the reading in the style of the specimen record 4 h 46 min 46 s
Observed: 8 h 48 min 48 s
